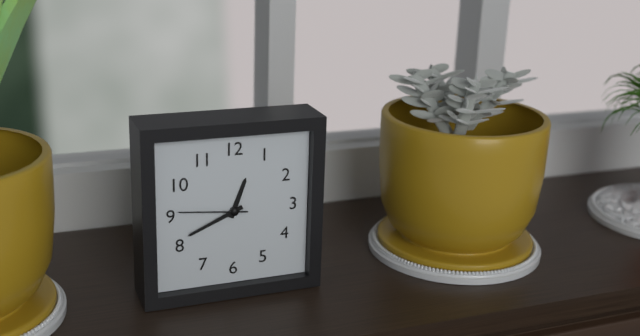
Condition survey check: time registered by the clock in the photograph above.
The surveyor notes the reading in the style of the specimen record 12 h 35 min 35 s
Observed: 12 h 41 min 46 s
